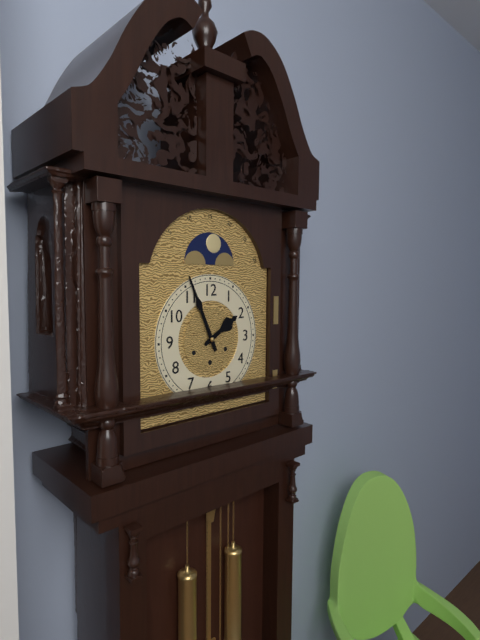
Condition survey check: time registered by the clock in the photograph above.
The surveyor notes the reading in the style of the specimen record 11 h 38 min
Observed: 1 h 56 min
